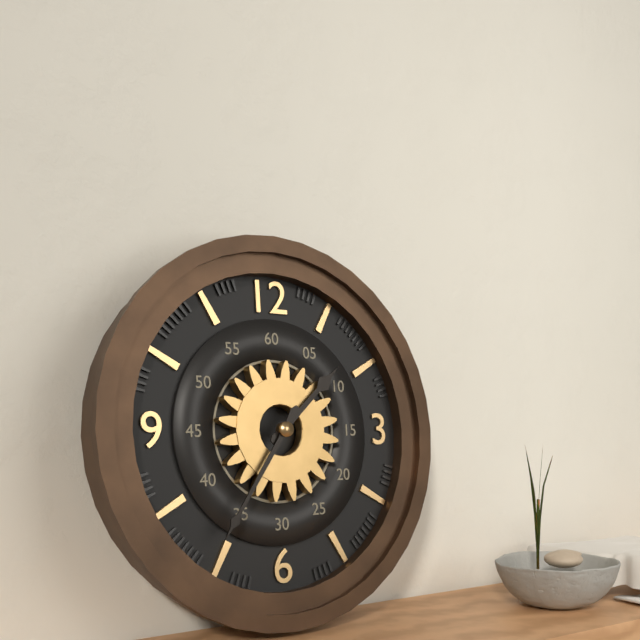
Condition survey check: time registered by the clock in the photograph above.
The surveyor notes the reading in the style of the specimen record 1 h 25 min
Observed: 1 h 36 min
